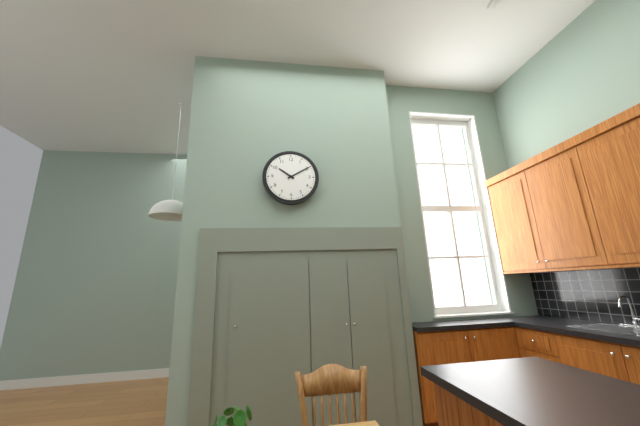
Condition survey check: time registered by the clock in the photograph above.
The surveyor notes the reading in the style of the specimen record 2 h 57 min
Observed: 10 h 10 min
